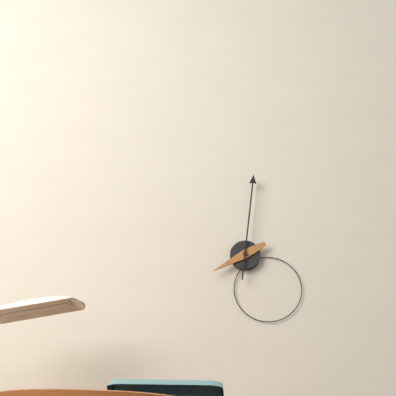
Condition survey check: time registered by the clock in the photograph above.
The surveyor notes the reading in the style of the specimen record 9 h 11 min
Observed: 8 h 01 min
